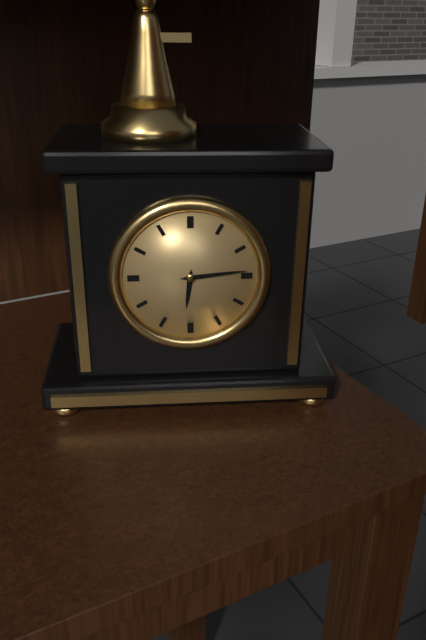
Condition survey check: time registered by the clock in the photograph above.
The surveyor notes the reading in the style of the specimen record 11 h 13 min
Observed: 6 h 14 min
